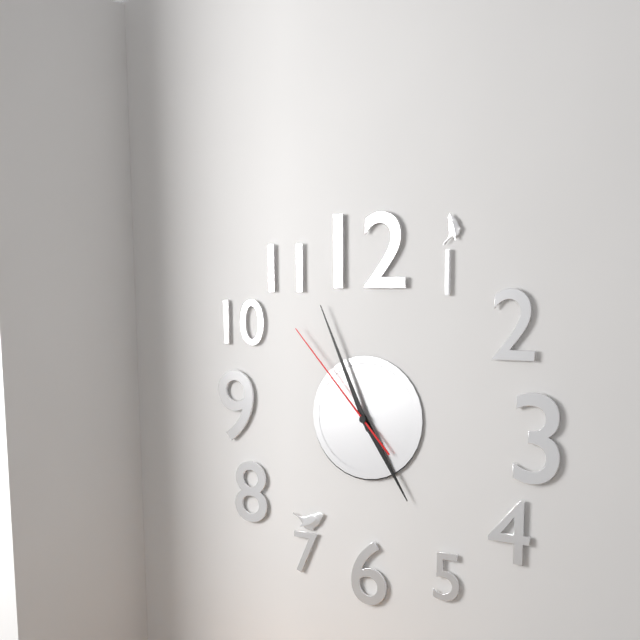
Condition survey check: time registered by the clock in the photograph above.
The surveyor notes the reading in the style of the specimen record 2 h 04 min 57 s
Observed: 4 h 56 min 53 s
